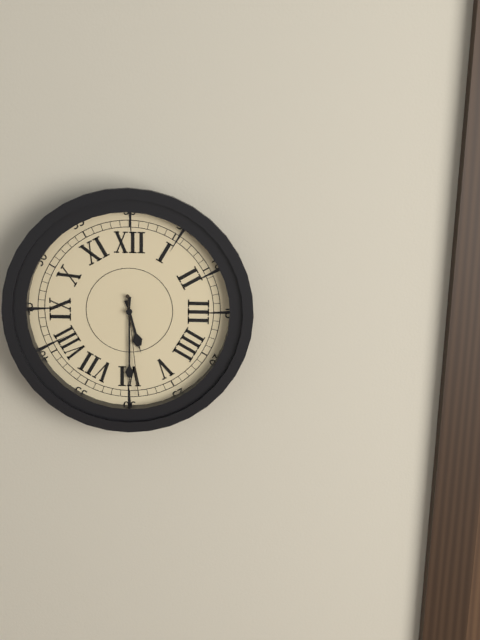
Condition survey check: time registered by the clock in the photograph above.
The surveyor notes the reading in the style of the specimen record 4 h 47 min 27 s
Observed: 5 h 30 min 29 s
